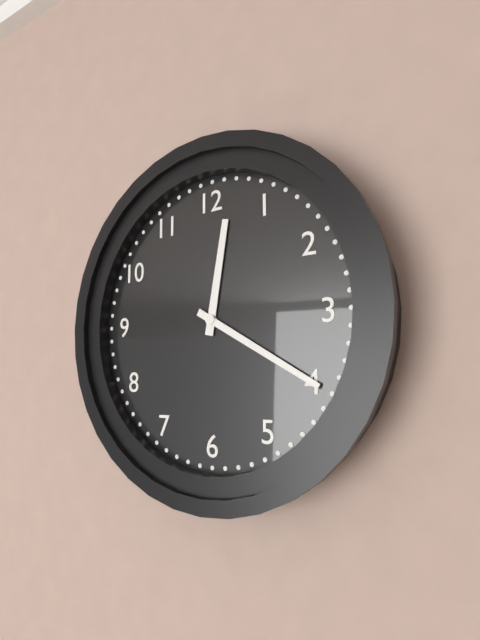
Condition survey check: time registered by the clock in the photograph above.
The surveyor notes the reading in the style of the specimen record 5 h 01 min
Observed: 12 h 20 min
